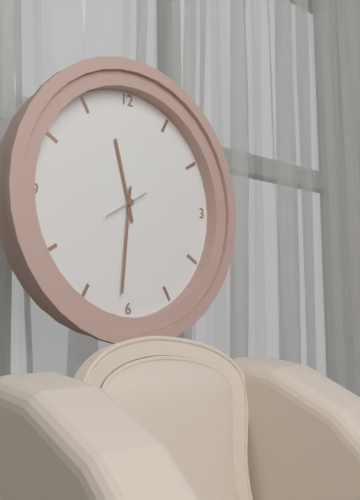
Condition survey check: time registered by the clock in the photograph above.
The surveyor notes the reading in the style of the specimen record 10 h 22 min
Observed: 11 h 31 min
